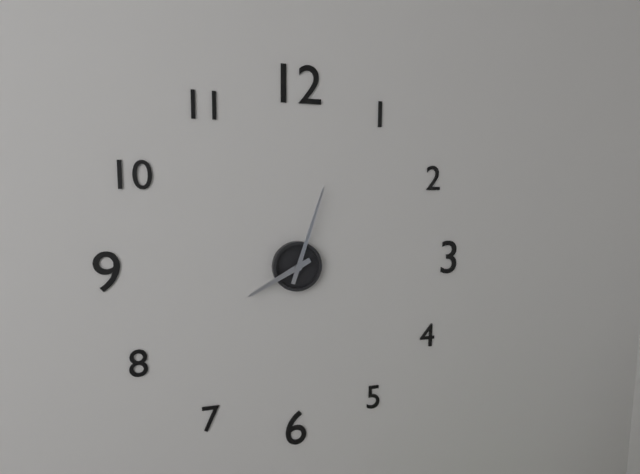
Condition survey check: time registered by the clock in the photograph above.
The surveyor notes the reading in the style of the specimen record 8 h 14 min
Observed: 8 h 03 min
